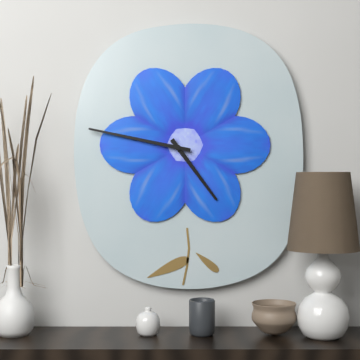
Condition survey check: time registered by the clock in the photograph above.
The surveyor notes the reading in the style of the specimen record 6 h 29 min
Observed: 4 h 47 min
